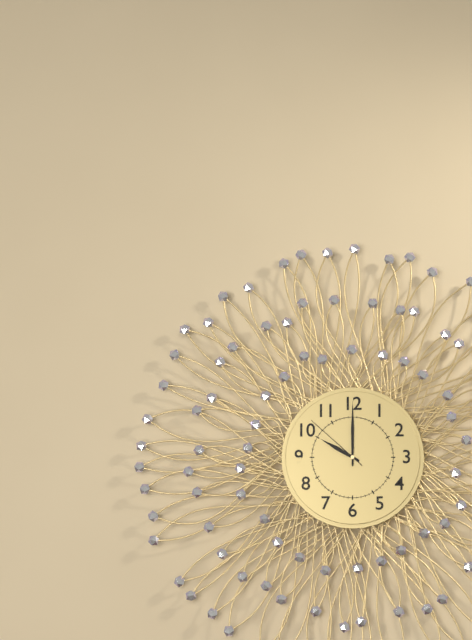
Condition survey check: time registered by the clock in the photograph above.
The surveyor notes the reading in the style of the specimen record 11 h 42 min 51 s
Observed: 10 h 00 min 52 s
